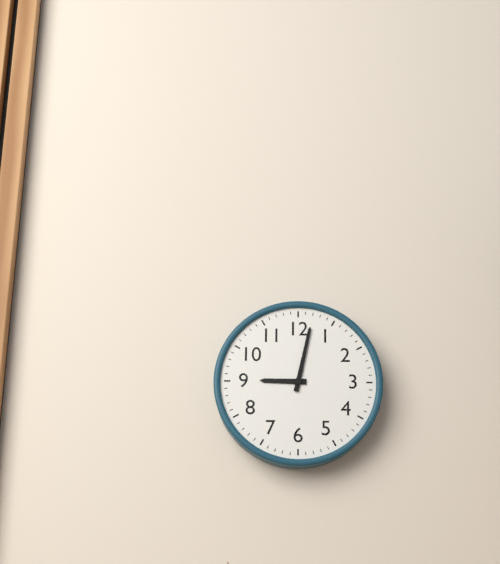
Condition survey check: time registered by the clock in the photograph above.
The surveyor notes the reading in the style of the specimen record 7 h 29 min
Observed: 9 h 02 min
